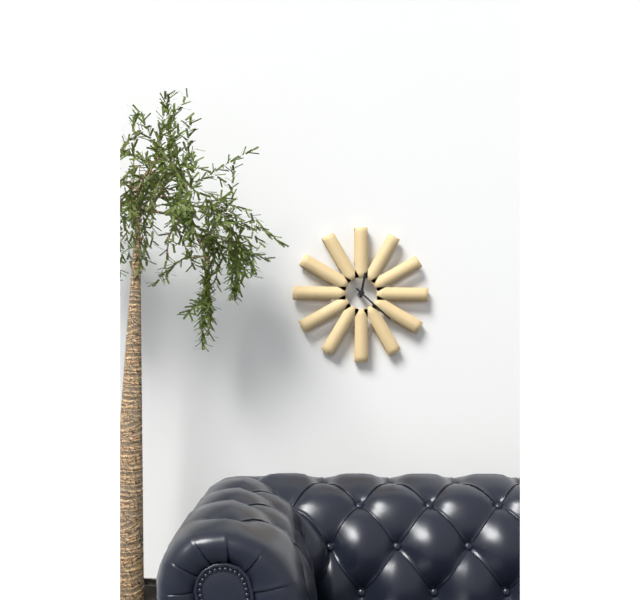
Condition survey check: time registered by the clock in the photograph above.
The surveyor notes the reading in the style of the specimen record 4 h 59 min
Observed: 12 h 22 min
